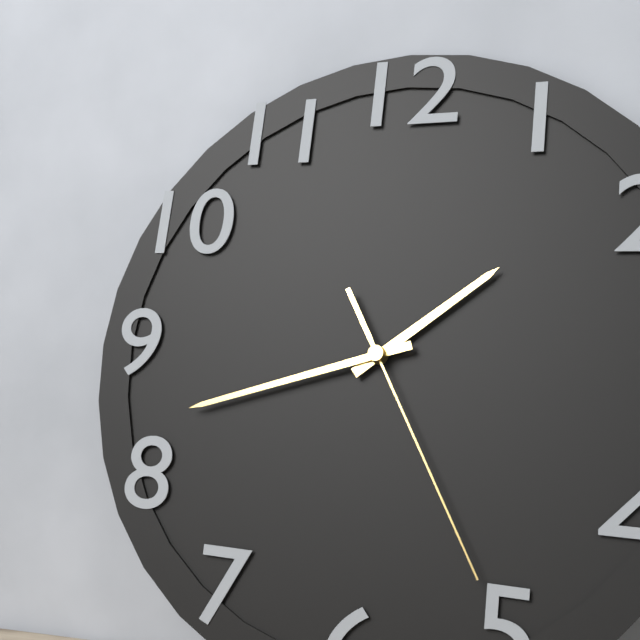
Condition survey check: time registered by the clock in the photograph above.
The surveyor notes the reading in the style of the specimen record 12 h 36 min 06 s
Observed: 1 h 42 min 25 s
